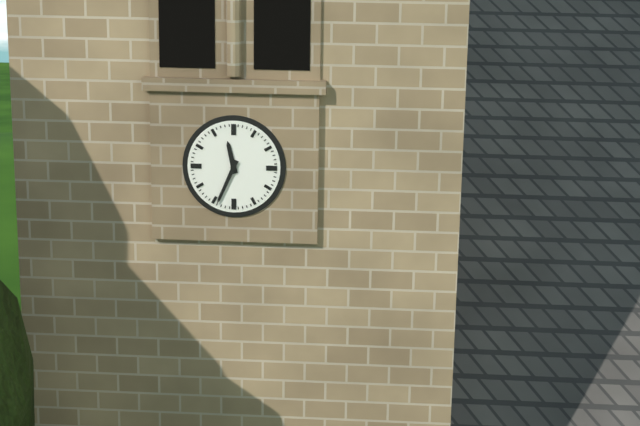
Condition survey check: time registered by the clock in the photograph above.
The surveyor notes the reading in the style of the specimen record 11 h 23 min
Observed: 11 h 34 min
